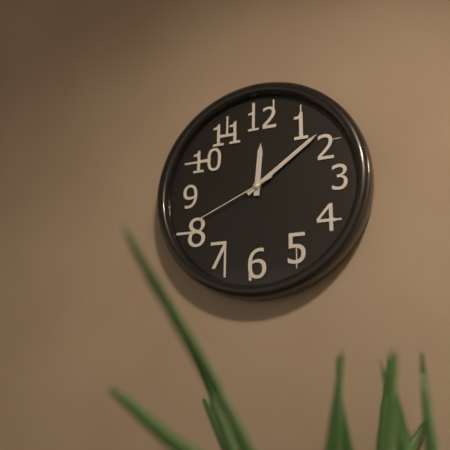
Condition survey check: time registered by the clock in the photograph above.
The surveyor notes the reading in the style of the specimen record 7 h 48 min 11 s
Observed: 12 h 09 min 41 s
